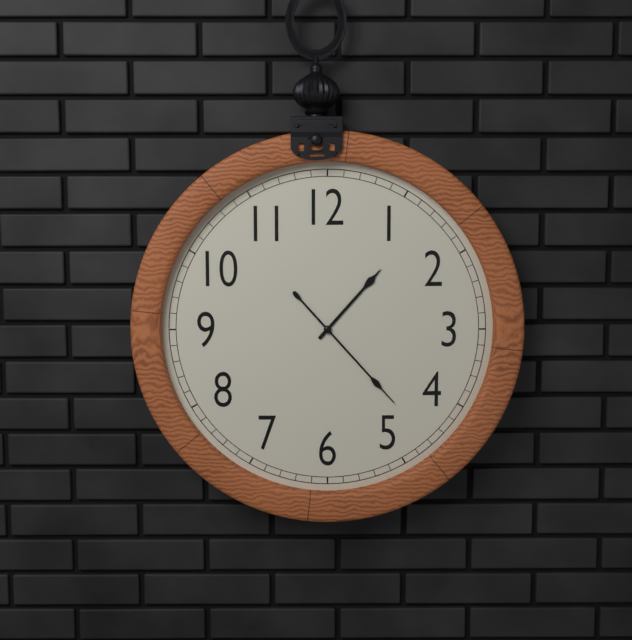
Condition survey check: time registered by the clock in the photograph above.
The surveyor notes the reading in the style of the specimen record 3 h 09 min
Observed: 1 h 23 min
